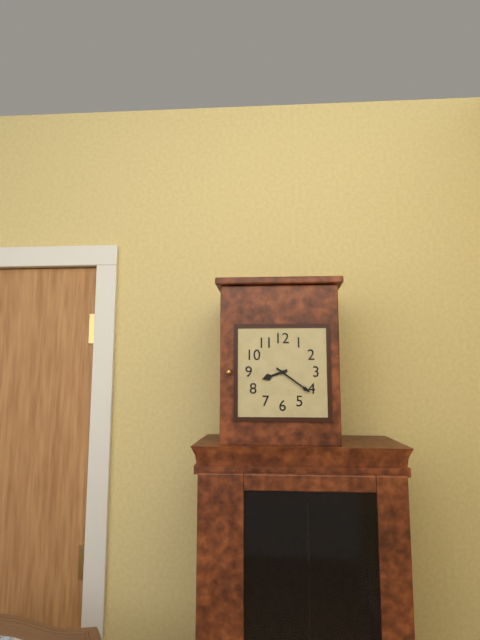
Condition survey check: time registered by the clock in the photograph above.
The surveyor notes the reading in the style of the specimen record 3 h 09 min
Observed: 8 h 21 min
